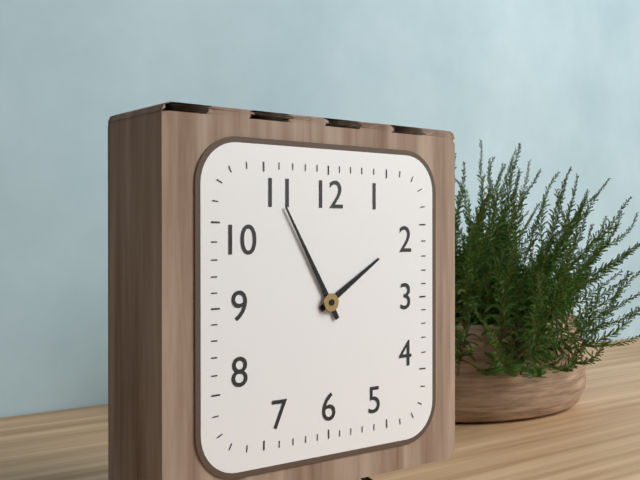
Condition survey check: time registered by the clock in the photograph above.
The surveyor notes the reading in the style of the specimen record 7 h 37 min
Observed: 1 h 55 min
